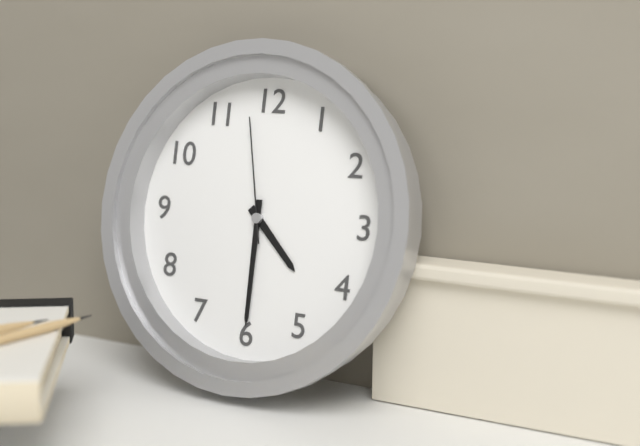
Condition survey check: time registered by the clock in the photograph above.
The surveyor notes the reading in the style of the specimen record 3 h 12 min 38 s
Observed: 4 h 30 min 58 s
